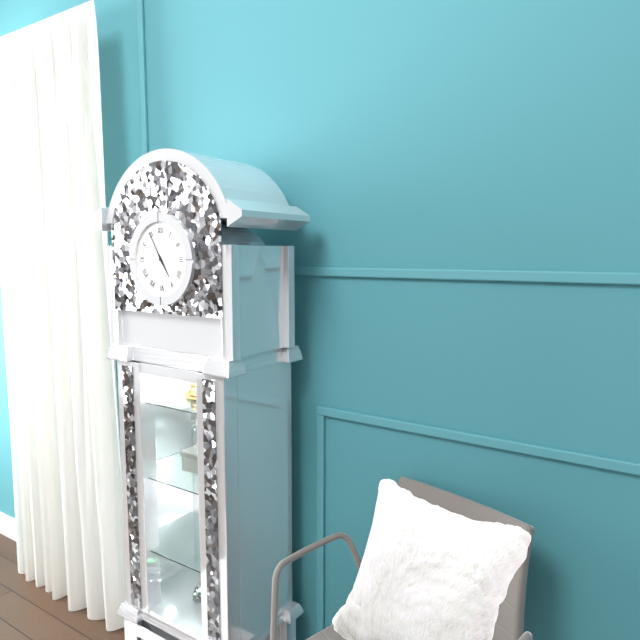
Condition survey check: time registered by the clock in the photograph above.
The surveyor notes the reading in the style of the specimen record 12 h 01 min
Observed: 4 h 55 min
